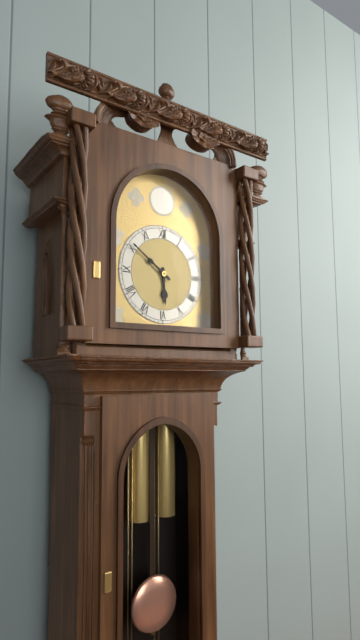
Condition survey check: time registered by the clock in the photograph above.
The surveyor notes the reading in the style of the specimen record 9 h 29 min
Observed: 5 h 51 min
